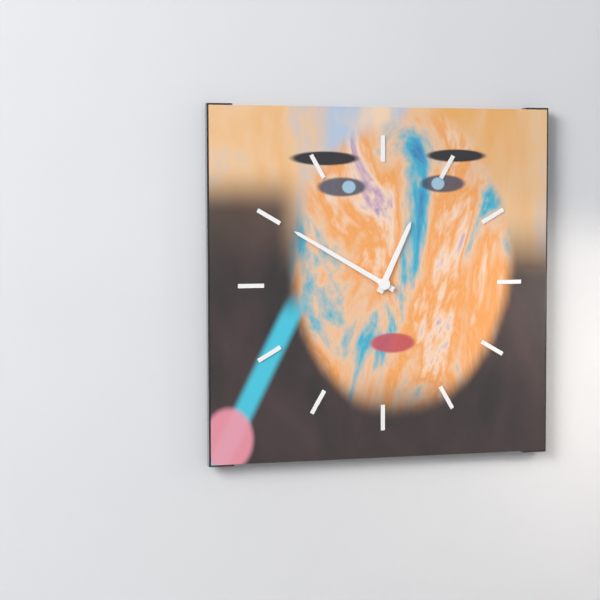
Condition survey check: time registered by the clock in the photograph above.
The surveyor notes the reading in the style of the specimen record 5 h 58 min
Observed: 12 h 50 min
